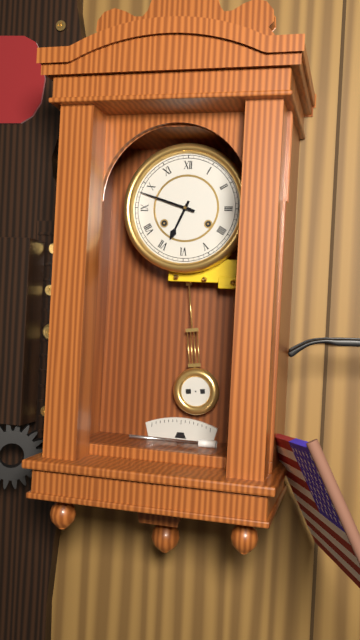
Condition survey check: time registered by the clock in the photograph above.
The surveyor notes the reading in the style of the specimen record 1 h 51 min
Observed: 6 h 48 min
